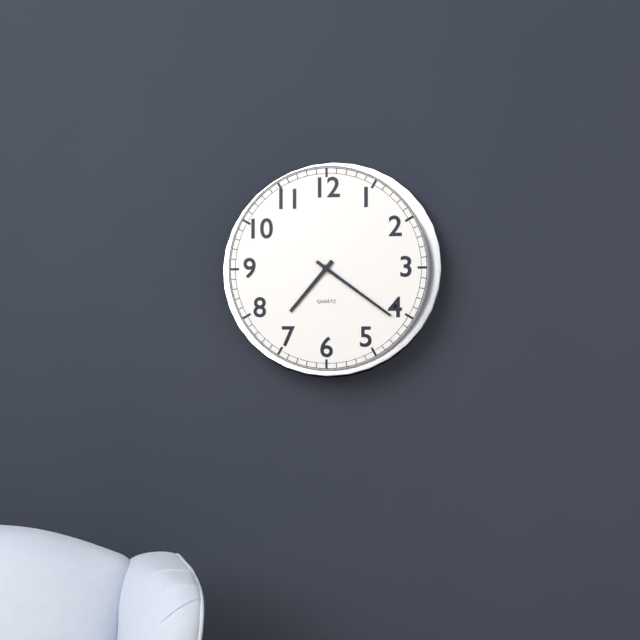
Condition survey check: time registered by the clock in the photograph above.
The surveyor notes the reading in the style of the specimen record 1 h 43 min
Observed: 7 h 21 min
